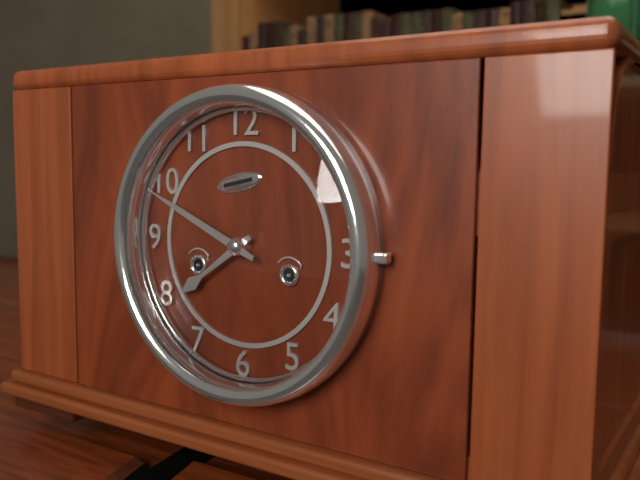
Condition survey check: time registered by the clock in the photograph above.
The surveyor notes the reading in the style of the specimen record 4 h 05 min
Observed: 7 h 49 min
